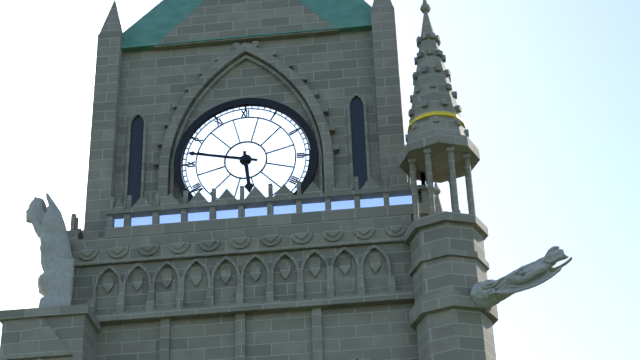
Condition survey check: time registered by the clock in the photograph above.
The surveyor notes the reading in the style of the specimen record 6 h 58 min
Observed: 5 h 47 min
